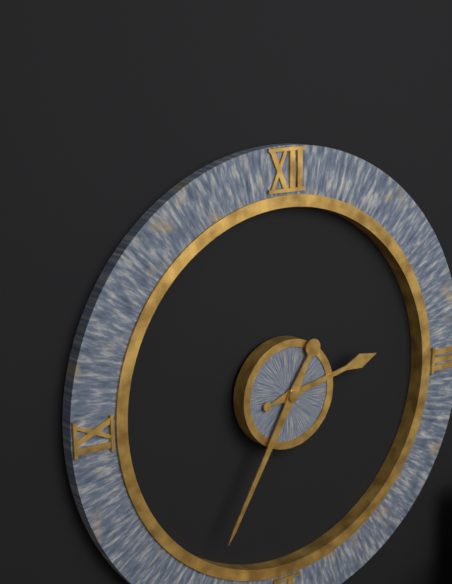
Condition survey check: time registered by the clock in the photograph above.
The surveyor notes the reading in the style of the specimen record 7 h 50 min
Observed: 2 h 35 min
